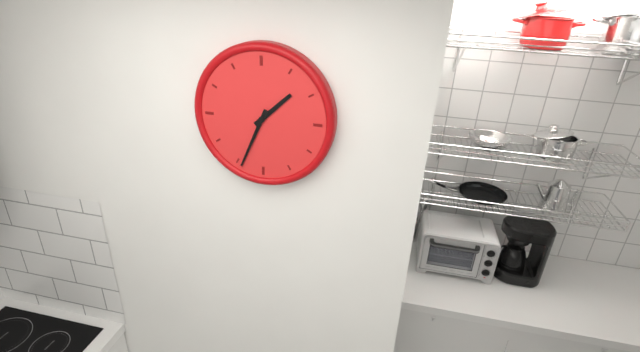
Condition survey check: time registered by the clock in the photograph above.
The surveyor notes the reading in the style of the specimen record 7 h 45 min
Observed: 1 h 34 min
